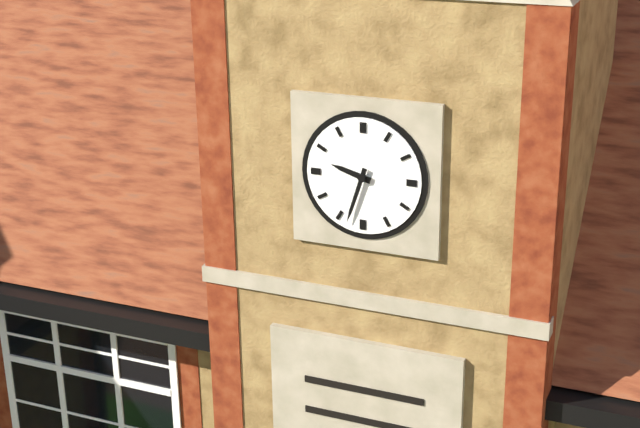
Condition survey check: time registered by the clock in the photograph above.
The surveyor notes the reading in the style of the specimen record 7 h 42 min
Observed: 9 h 33 min
